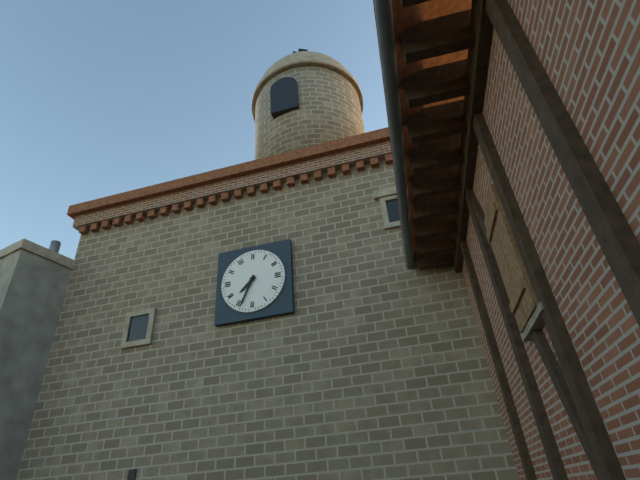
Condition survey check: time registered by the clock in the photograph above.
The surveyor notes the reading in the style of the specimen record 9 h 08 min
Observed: 7 h 34 min
